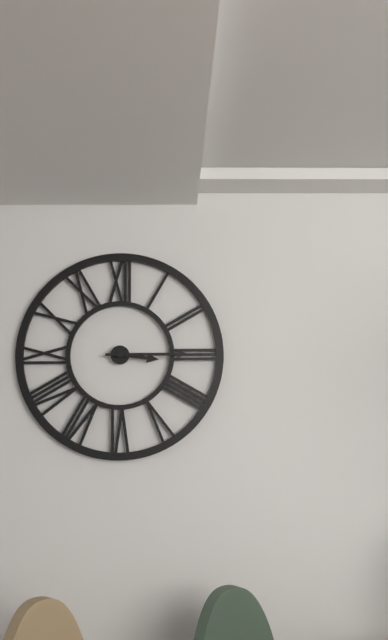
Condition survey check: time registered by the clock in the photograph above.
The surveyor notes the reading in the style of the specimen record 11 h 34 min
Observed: 3 h 15 min
